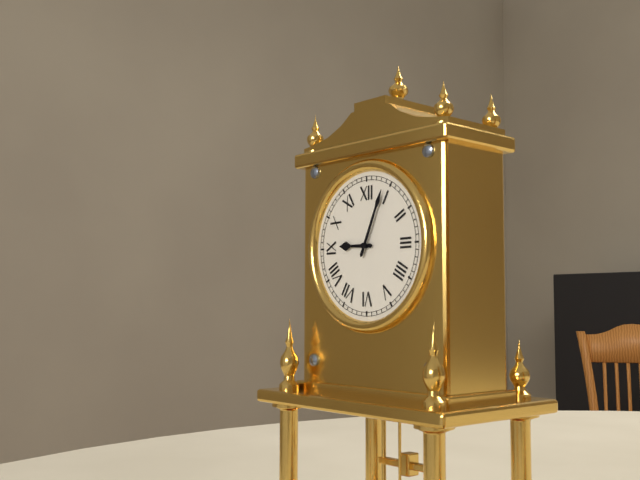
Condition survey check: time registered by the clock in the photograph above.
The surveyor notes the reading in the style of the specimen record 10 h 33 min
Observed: 9 h 04 min
